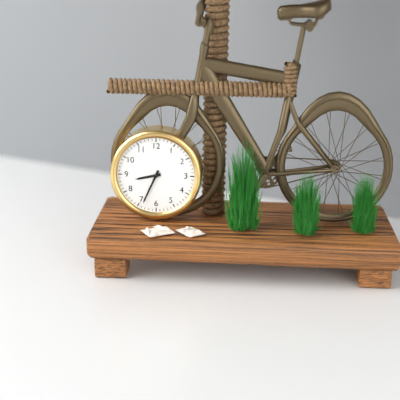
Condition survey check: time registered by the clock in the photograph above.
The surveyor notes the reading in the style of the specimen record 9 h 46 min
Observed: 8 h 34 min
